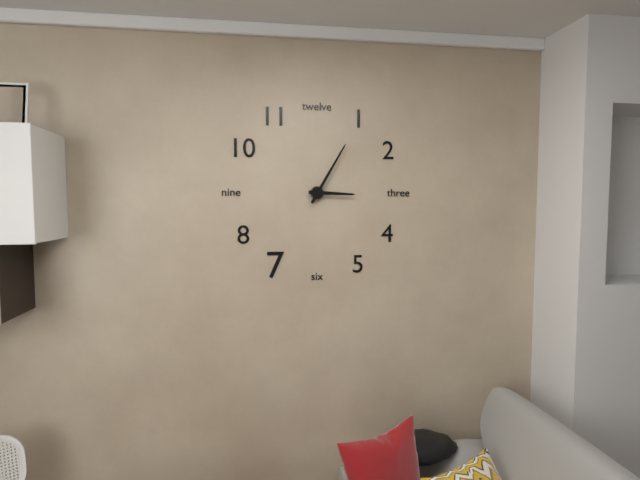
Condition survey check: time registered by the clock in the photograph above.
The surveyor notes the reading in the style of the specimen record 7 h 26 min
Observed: 3 h 05 min
